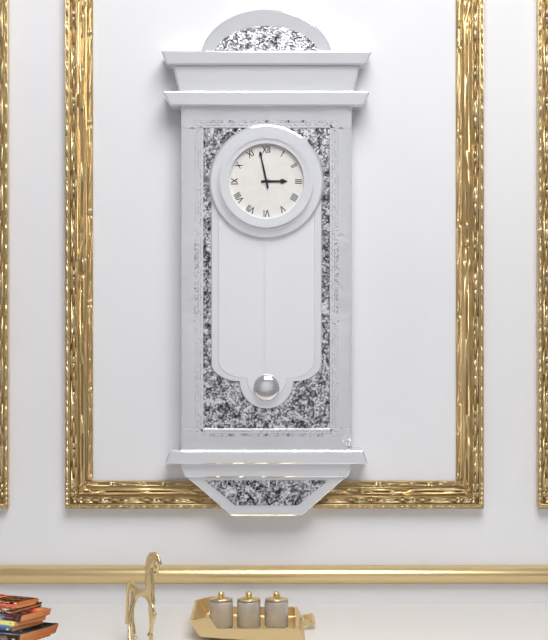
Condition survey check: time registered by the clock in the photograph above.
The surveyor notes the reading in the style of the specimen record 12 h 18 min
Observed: 2 h 58 min
